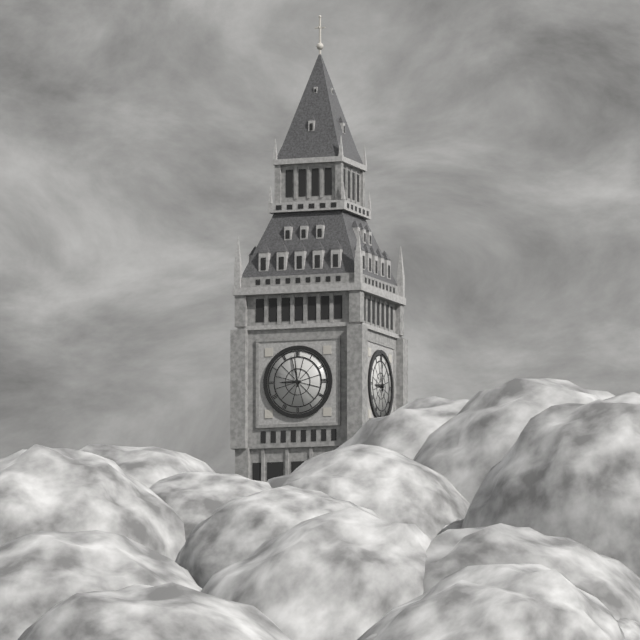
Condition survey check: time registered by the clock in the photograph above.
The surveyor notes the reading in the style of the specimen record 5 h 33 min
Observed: 8 h 59 min
